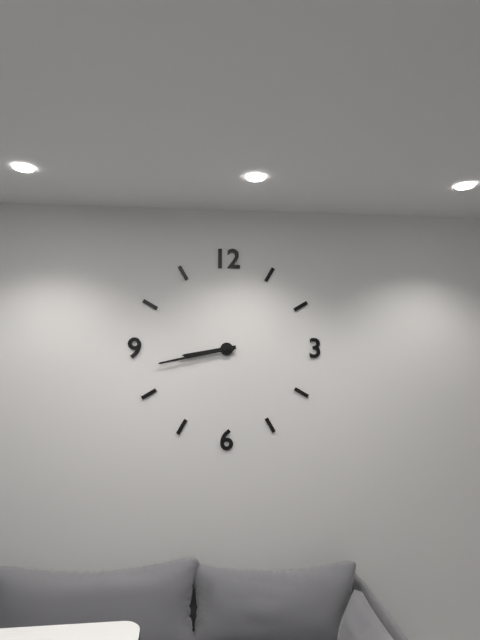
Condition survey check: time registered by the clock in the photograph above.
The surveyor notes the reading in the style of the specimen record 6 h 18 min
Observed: 8 h 43 min
